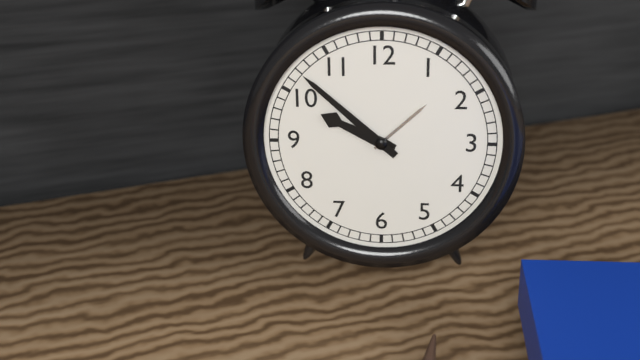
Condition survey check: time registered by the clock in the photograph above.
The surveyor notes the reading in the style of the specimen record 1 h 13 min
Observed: 9 h 52 min
